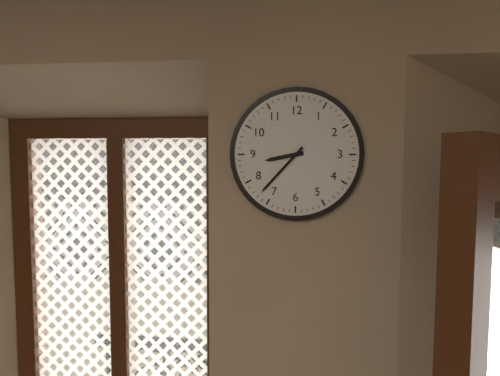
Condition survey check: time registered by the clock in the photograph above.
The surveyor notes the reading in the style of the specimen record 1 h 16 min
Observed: 8 h 37 min
